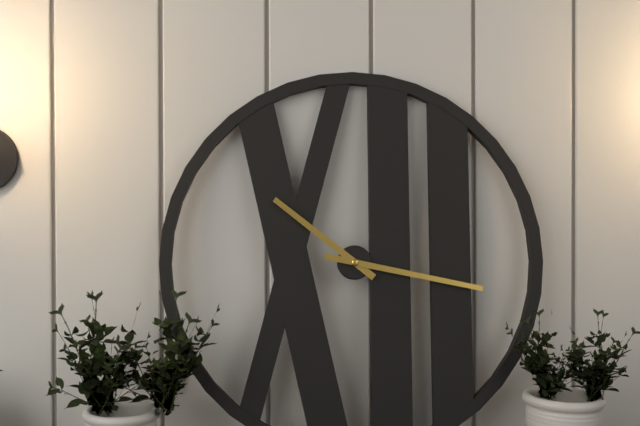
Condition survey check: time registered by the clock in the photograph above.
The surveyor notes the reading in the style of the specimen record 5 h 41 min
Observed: 10 h 17 min
